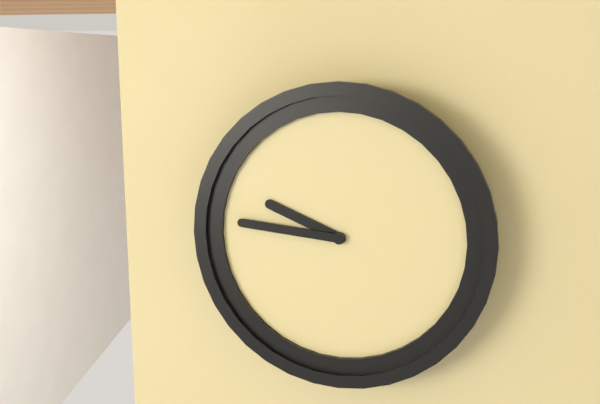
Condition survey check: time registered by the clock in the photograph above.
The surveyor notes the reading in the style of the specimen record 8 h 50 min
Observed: 9 h 46 min
